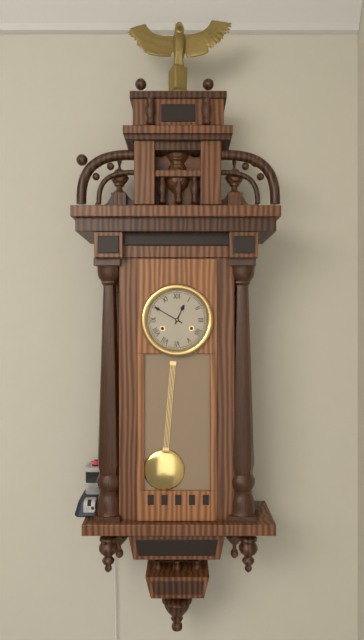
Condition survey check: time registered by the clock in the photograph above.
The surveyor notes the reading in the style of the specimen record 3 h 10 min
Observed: 12 h 50 min
